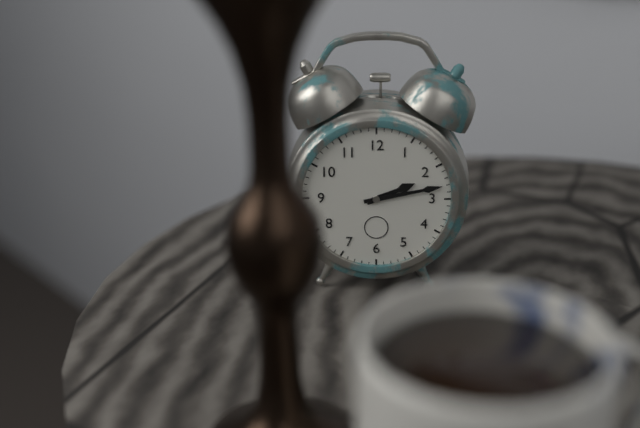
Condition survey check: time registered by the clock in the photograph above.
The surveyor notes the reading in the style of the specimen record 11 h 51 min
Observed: 2 h 13 min
